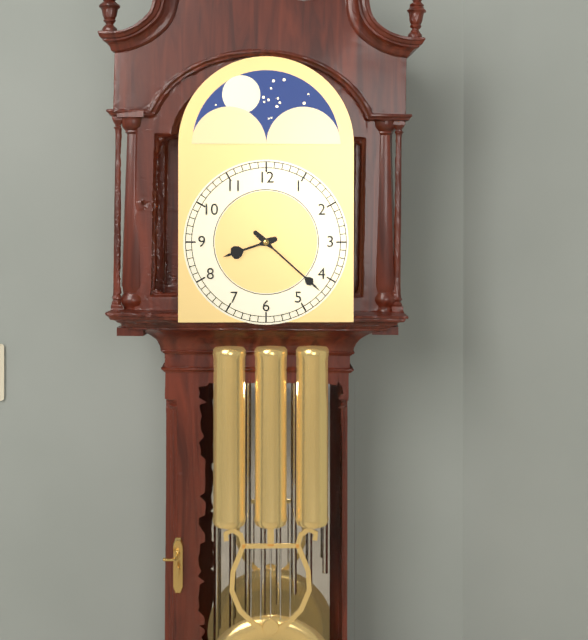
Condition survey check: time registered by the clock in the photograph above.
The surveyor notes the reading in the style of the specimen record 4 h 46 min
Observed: 8 h 22 min
